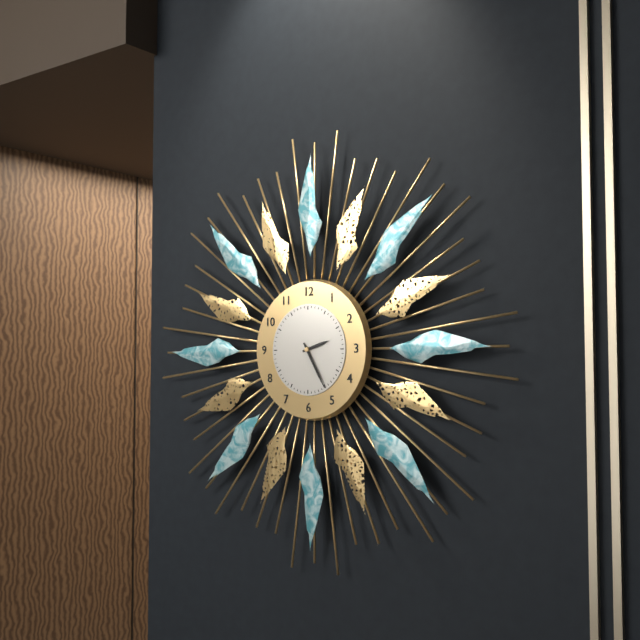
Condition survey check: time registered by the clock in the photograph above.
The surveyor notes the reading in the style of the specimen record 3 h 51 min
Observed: 2 h 25 min
